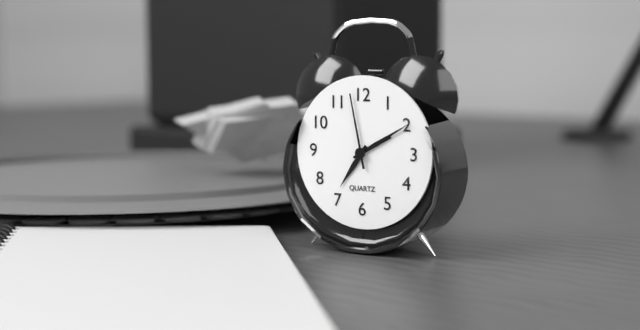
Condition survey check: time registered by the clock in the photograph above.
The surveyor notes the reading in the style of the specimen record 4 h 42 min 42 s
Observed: 7 h 10 min 58 s
